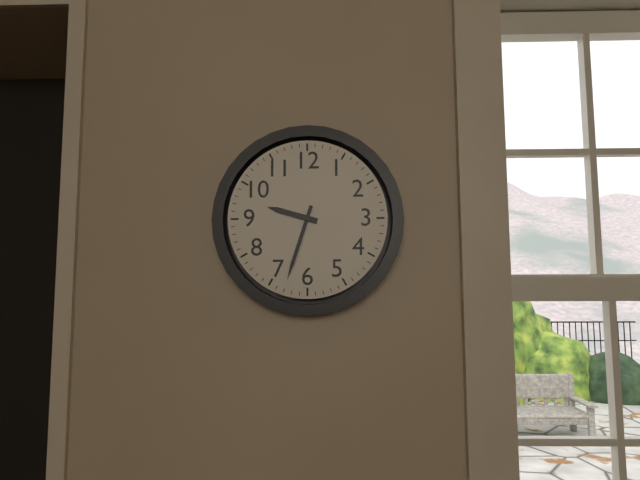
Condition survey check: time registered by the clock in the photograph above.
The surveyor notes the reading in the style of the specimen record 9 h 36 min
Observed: 9 h 33 min
